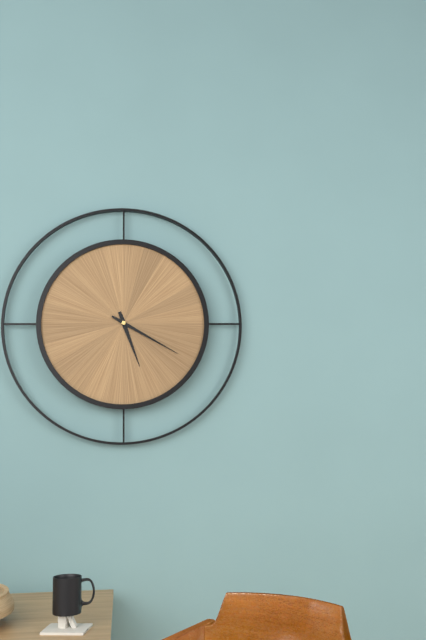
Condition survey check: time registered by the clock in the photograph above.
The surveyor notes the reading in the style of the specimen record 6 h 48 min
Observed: 5 h 20 min
